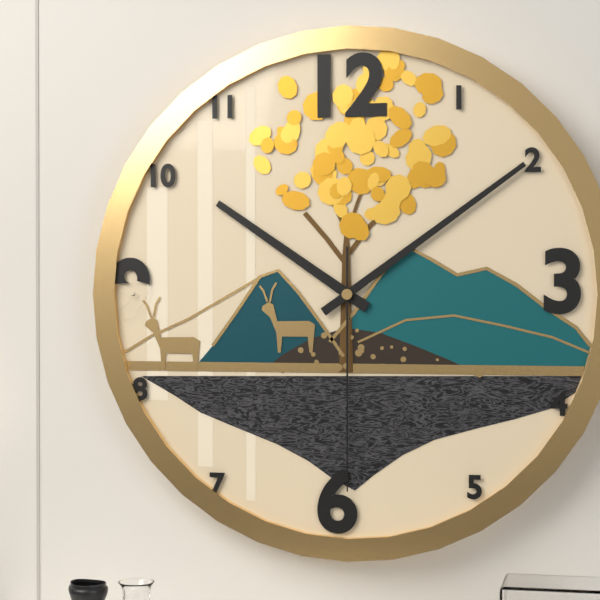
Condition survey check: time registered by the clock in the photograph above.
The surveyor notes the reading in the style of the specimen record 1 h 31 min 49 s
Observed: 10 h 09 min 30 s
